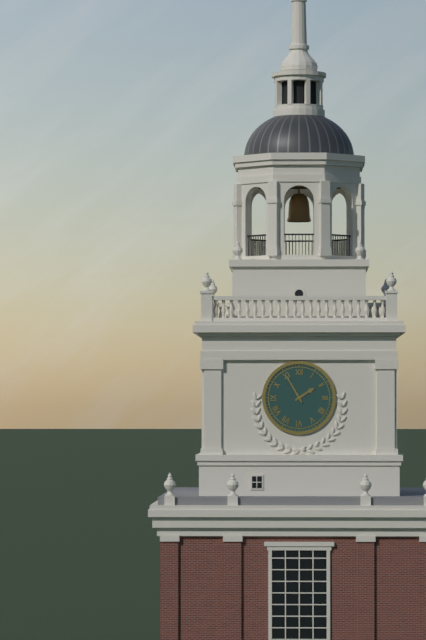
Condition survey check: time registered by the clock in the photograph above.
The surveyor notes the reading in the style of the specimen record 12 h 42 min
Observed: 1 h 55 min
